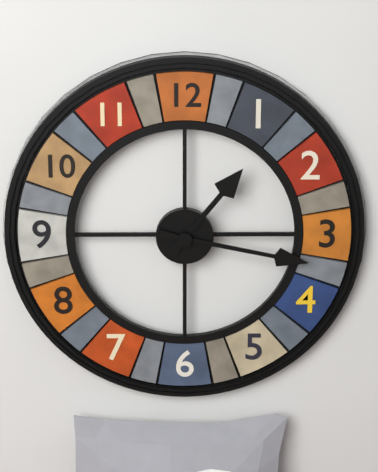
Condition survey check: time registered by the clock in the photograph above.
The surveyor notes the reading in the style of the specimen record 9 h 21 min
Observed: 1 h 17 min
